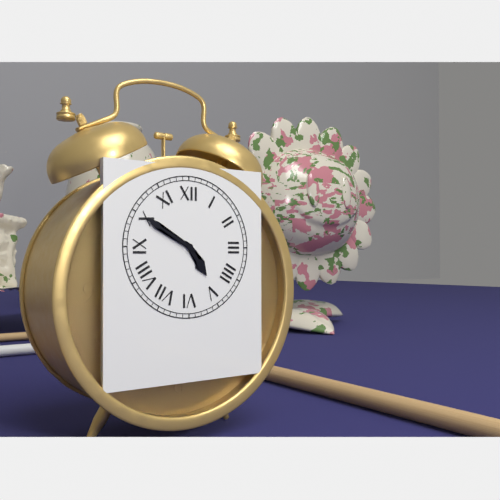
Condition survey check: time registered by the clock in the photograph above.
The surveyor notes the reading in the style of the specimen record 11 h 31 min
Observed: 4 h 50 min
